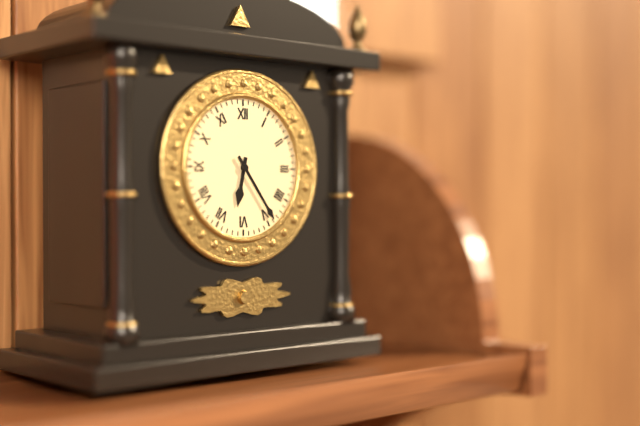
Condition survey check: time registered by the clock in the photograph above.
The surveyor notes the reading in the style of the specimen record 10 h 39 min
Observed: 6 h 24 min
